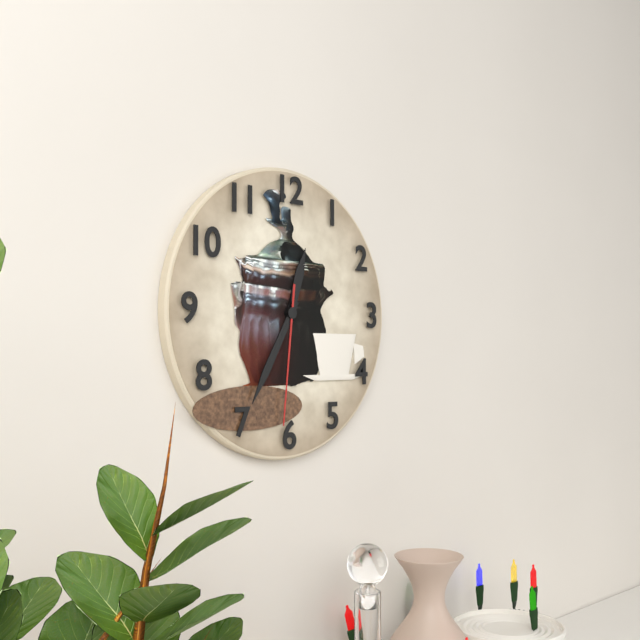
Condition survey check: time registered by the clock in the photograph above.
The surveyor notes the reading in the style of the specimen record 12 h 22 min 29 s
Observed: 12 h 35 min 31 s
